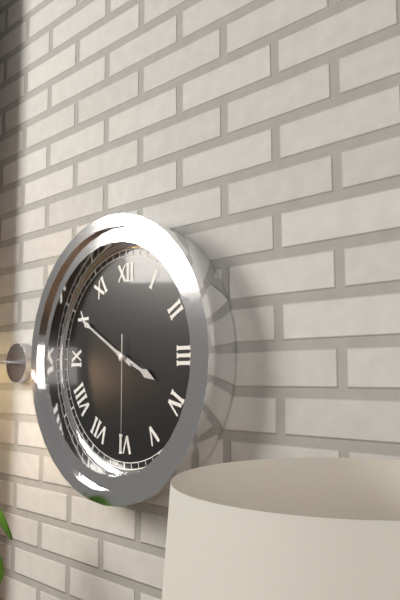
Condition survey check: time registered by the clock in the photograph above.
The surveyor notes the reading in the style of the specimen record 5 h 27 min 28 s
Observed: 3 h 50 min 30 s
